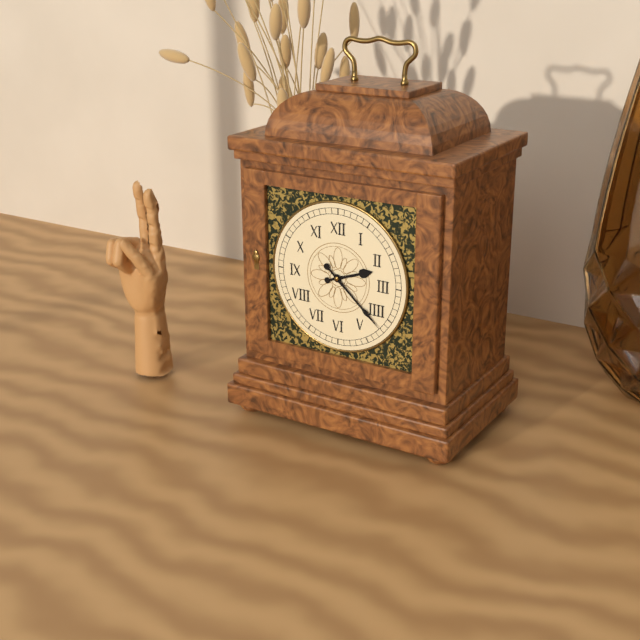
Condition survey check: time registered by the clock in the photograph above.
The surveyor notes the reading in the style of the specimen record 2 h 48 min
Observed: 2 h 22 min
